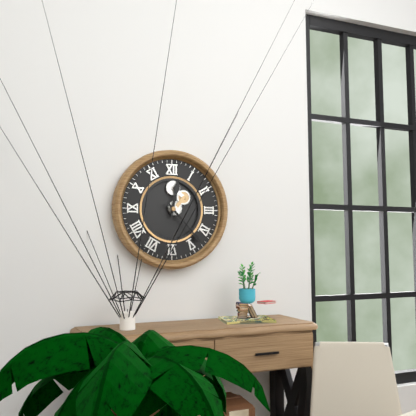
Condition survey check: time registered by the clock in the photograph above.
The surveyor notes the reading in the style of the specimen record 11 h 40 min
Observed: 12 h 23 min
